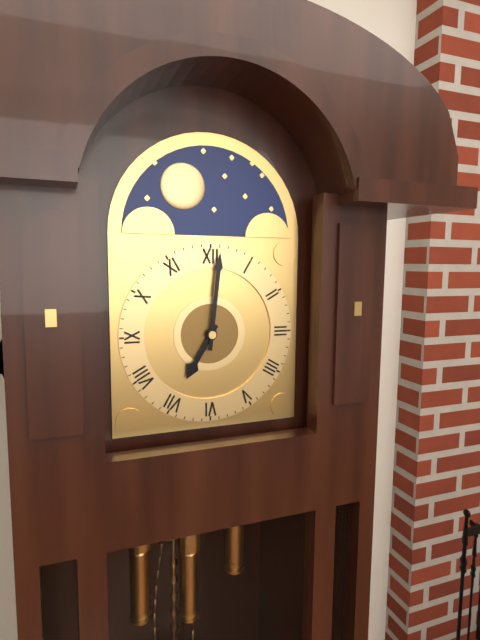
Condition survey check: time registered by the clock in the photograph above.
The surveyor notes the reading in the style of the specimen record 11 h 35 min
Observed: 7 h 01 min
